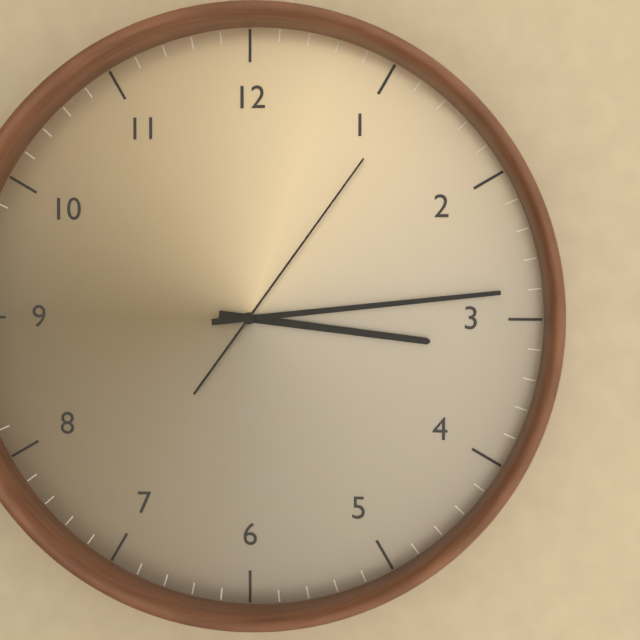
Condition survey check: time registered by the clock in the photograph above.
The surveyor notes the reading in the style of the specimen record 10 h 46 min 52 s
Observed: 3 h 14 min 06 s
